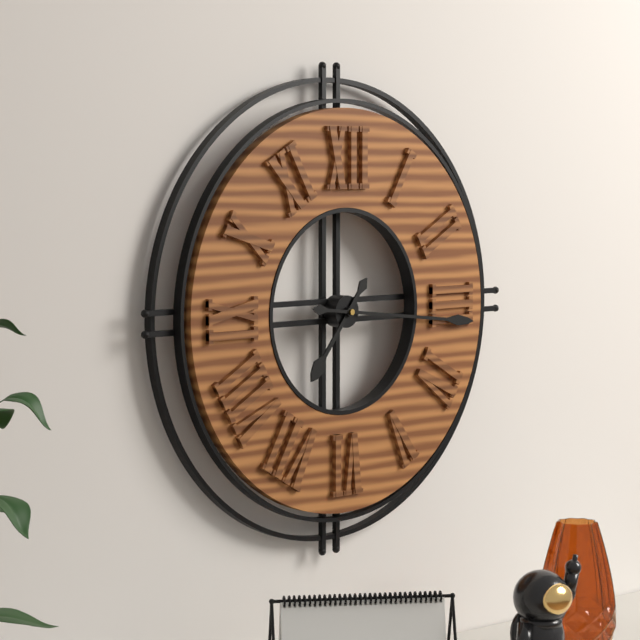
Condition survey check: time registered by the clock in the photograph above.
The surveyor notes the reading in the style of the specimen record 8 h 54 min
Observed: 7 h 16 min
